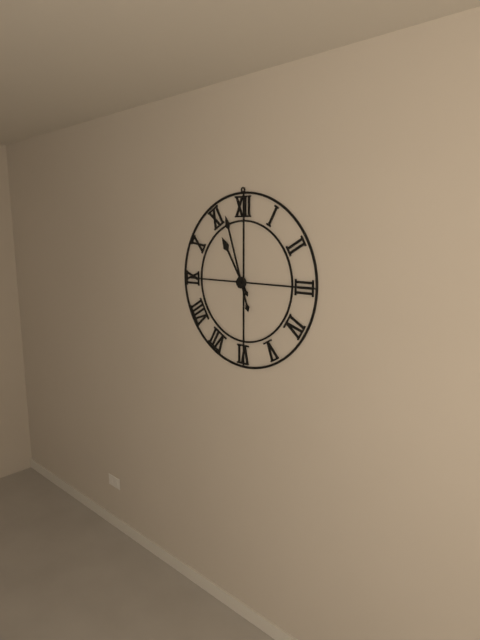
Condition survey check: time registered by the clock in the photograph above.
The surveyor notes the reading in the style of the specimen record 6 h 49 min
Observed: 10 h 57 min
